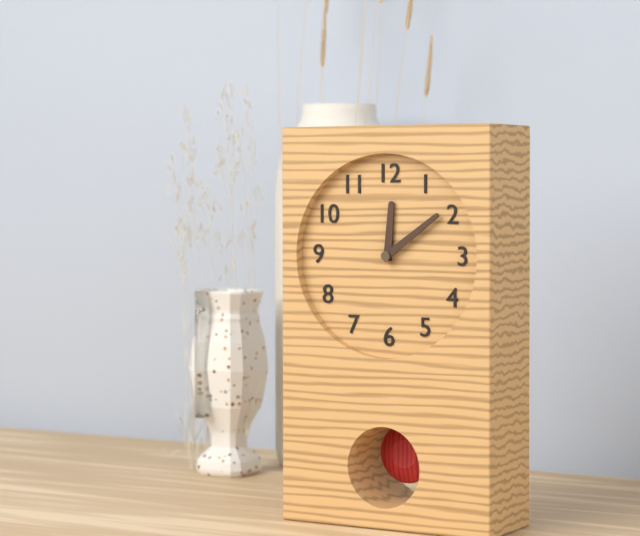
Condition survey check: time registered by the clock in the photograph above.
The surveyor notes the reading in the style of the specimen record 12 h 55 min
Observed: 12 h 09 min
